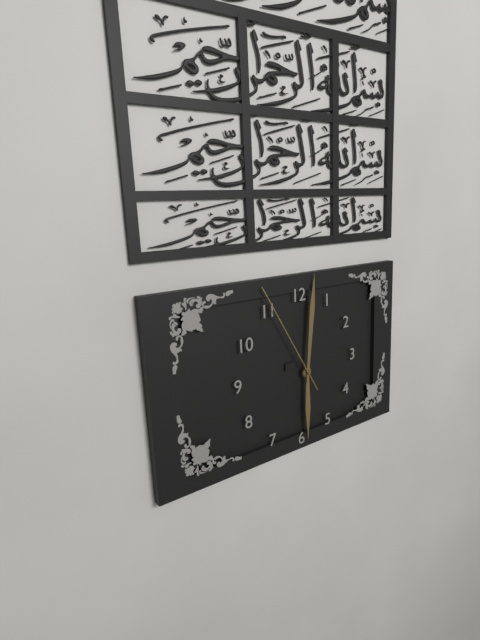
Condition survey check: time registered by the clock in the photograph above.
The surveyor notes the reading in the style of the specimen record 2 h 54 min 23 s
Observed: 6 h 01 min 55 s
